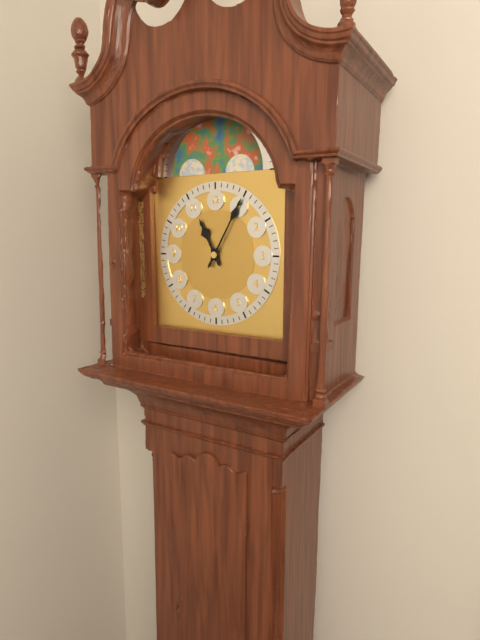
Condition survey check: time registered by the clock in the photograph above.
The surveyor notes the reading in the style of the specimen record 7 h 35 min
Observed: 11 h 05 min
